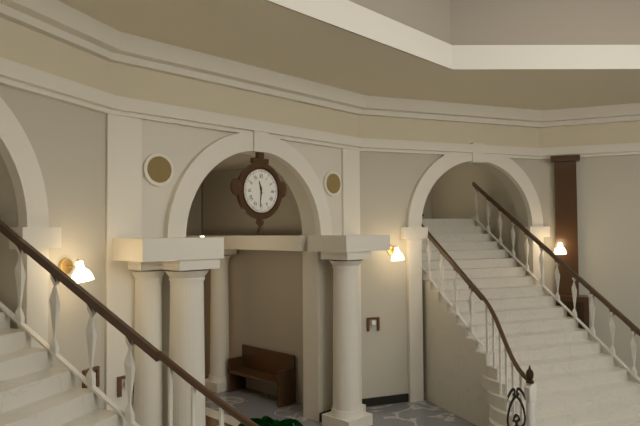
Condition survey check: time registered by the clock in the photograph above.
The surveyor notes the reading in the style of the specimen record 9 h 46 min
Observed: 11 h 31 min
